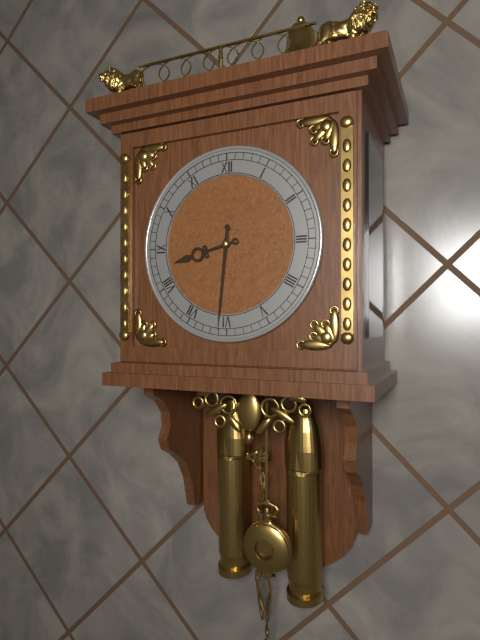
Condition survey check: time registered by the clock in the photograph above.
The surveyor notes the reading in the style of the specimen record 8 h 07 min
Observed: 8 h 31 min
